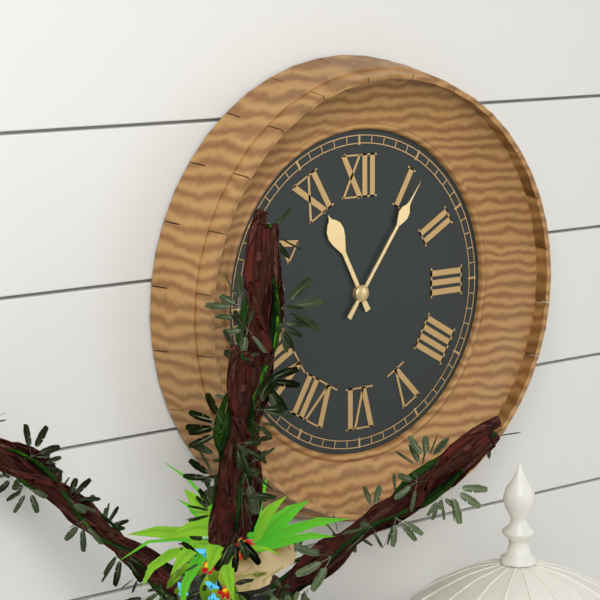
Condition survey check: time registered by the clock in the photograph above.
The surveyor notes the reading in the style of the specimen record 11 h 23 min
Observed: 11 h 06 min
